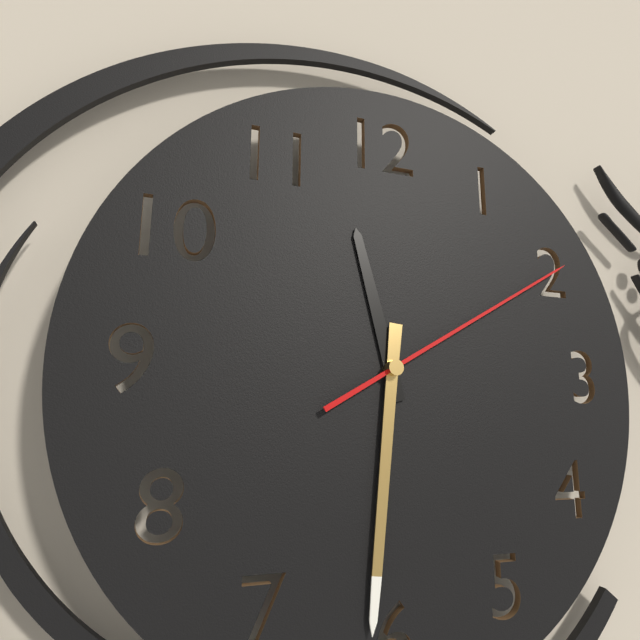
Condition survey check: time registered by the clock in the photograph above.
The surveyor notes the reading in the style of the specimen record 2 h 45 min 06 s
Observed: 11 h 31 min 10 s
